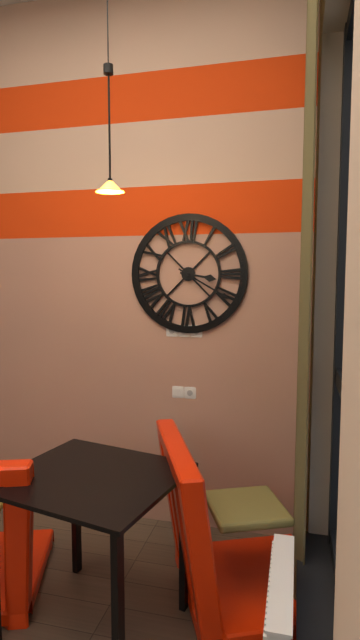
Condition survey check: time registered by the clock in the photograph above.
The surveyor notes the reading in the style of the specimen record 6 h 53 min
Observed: 3 h 20 min
